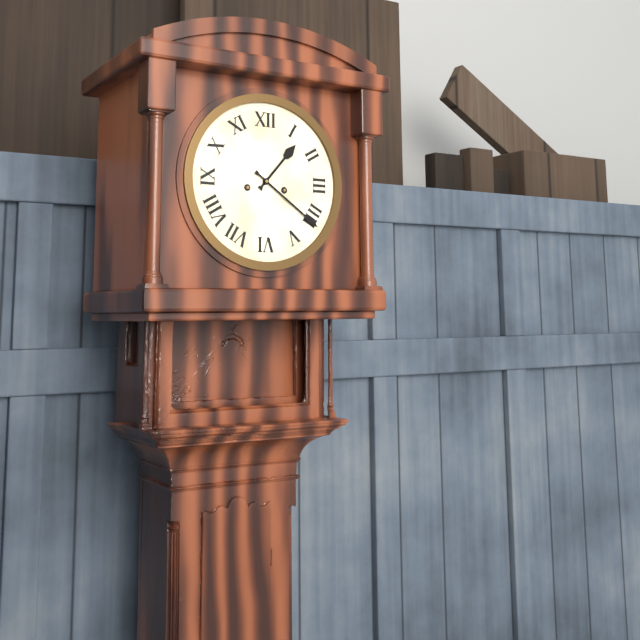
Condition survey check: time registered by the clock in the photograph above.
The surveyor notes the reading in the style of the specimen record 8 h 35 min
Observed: 1 h 21 min
